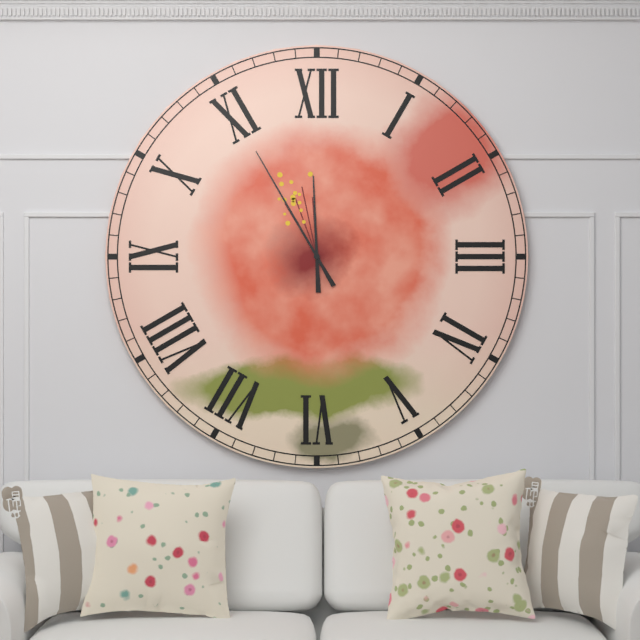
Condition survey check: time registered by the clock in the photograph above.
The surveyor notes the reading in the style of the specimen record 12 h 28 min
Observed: 11 h 55 min
